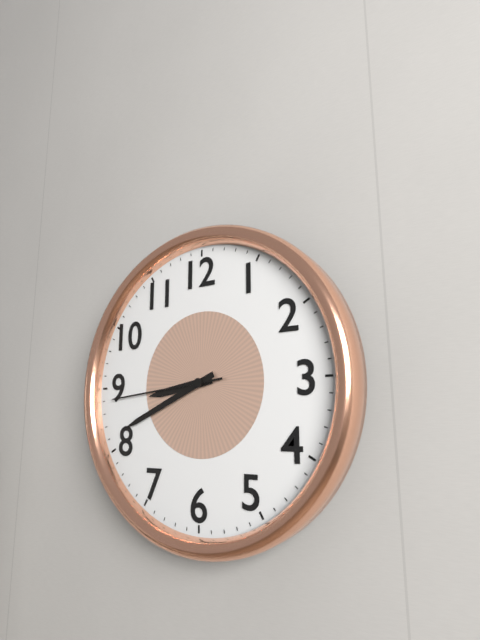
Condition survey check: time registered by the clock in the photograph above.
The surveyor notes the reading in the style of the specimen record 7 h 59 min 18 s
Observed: 8 h 41 min 44 s
